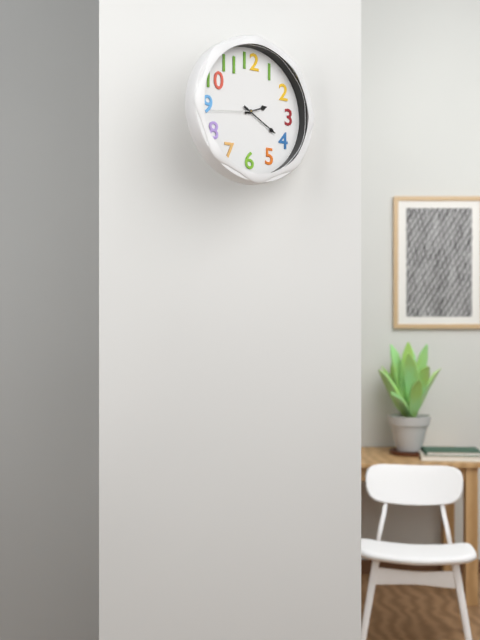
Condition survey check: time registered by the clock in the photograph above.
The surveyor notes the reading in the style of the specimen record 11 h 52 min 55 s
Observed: 2 h 20 min 44 s
